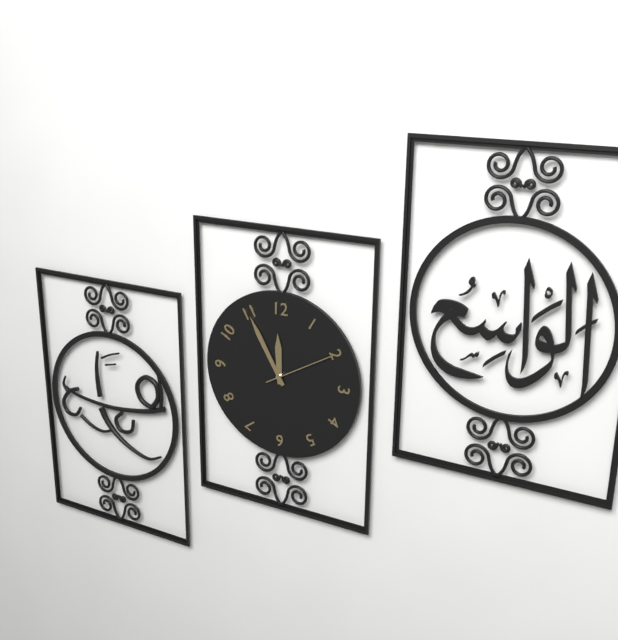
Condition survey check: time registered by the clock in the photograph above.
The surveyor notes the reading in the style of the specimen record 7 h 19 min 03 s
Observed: 11 h 55 min 10 s
